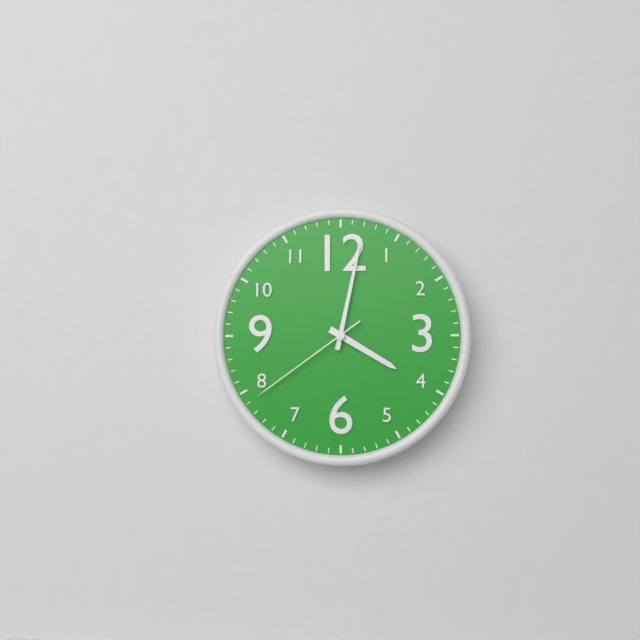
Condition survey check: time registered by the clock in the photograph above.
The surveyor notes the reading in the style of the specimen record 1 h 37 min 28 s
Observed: 4 h 02 min 39 s
